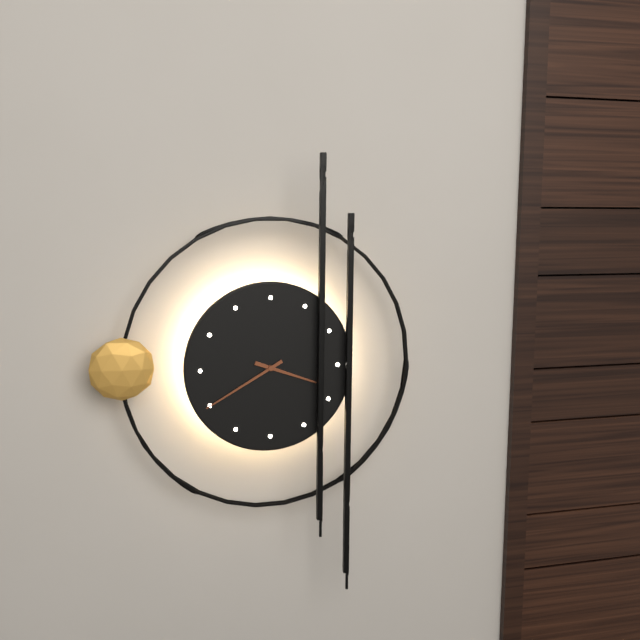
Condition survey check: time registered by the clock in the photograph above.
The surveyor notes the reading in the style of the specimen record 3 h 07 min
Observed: 3 h 40 min
